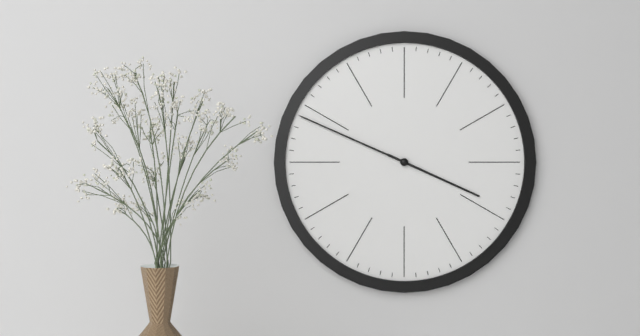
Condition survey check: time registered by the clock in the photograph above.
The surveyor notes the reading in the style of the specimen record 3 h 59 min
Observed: 3 h 49 min
